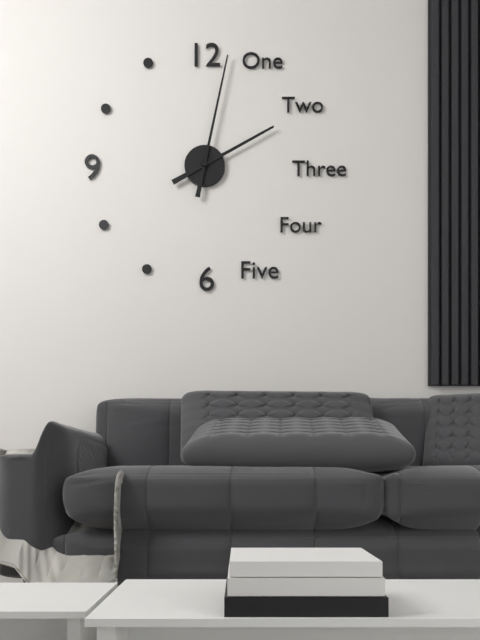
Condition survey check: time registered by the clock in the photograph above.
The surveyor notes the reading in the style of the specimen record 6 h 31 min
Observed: 2 h 02 min
